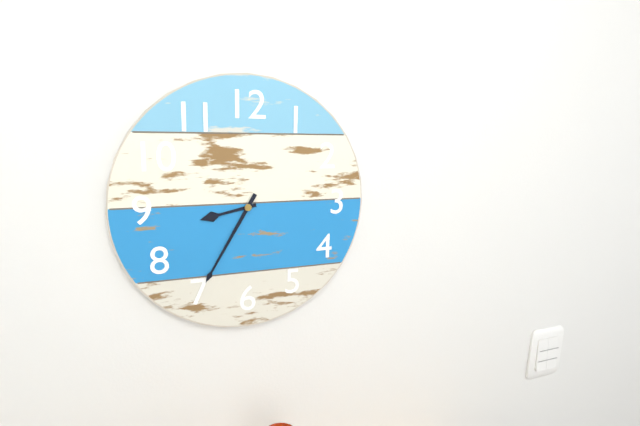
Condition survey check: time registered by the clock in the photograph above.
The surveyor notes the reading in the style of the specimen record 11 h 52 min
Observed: 8 h 35 min
